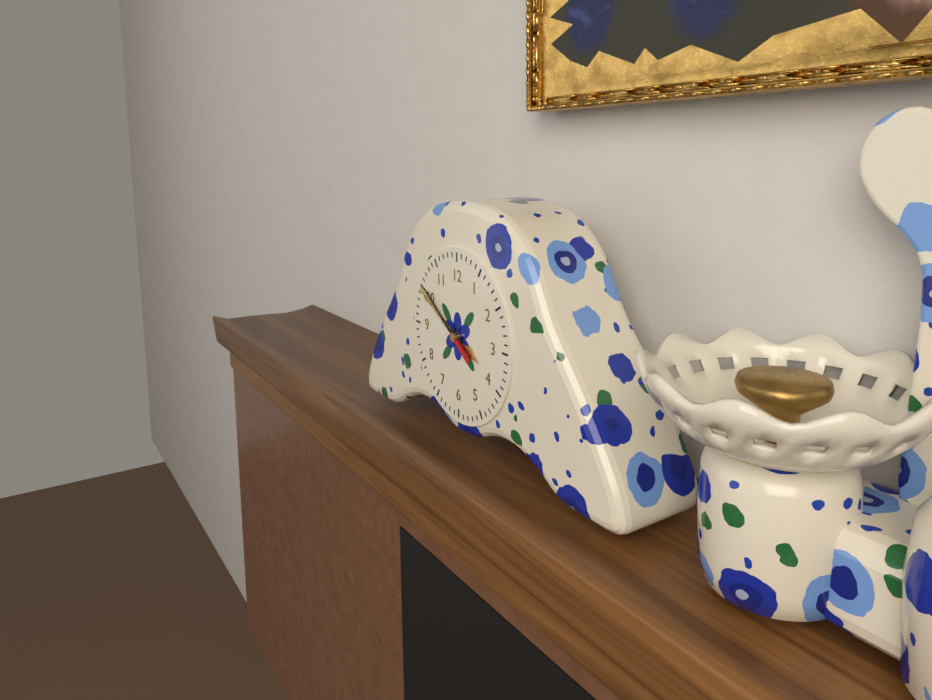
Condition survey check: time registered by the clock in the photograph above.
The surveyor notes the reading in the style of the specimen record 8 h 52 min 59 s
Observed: 3 h 50 min 51 s
